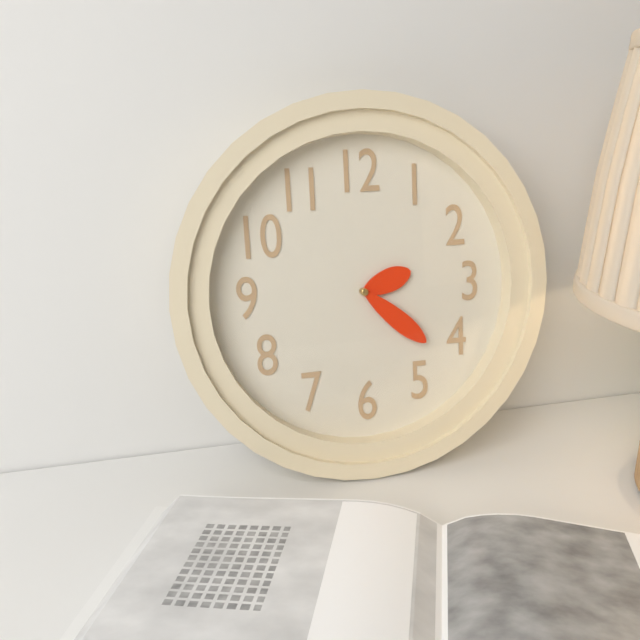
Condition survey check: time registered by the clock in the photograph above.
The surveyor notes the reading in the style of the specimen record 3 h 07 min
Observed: 2 h 22 min
